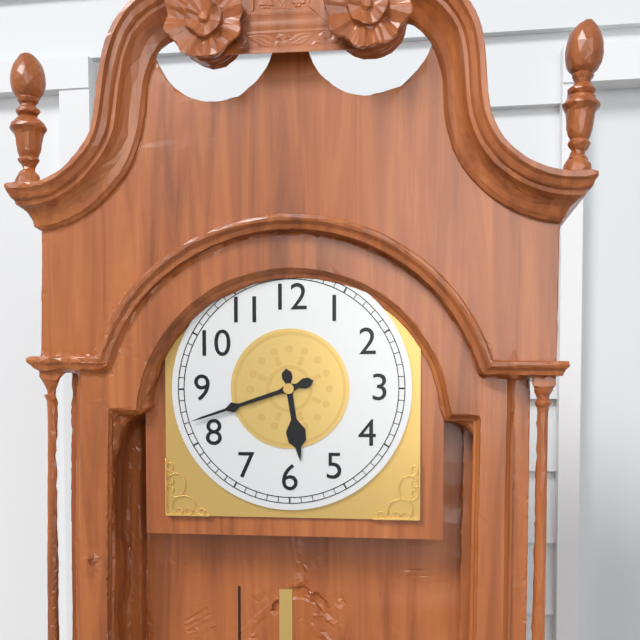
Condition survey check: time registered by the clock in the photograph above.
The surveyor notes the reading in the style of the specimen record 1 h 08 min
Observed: 5 h 42 min
